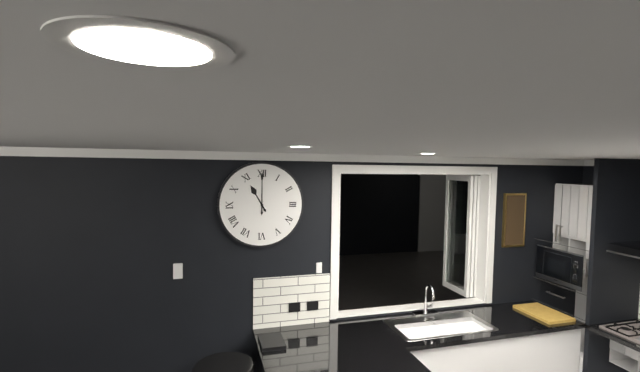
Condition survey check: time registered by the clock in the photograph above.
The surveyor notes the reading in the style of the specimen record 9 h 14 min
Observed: 11 h 00 min
